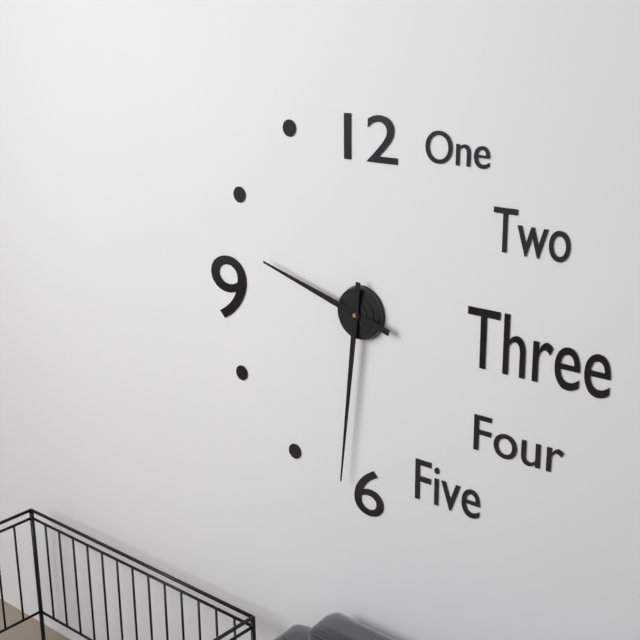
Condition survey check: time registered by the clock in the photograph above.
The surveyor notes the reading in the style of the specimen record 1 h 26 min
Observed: 9 h 31 min
